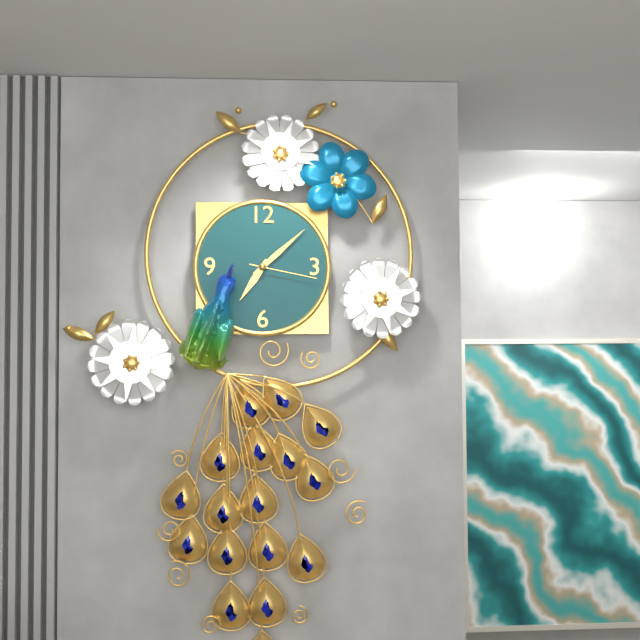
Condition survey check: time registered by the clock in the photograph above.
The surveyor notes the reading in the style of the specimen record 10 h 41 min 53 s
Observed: 7 h 08 min 17 s
